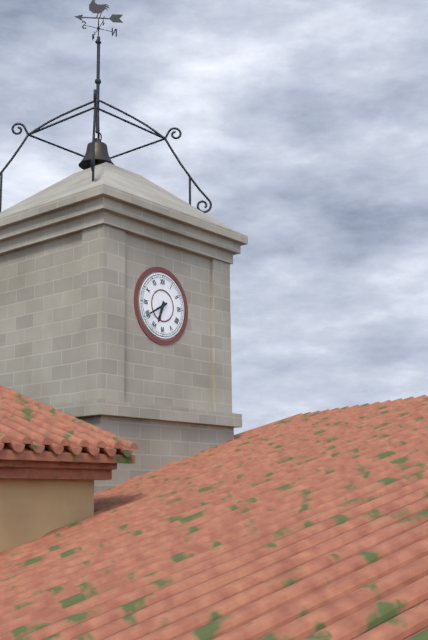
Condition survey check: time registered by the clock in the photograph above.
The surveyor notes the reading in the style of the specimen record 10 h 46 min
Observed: 6 h 40 min
